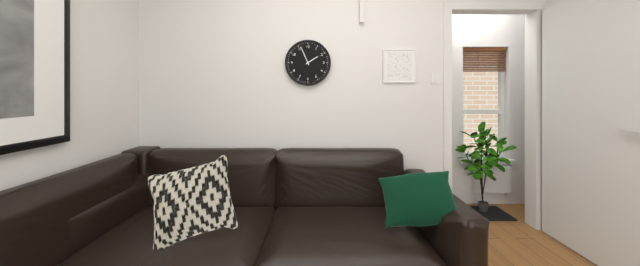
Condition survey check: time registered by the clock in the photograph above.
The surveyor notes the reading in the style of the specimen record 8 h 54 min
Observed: 1 h 56 min
